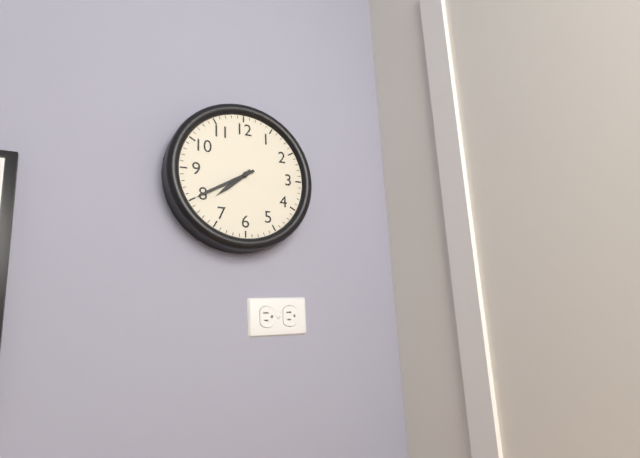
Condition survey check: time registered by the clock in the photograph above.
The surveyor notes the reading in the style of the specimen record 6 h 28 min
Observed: 7 h 40 min
